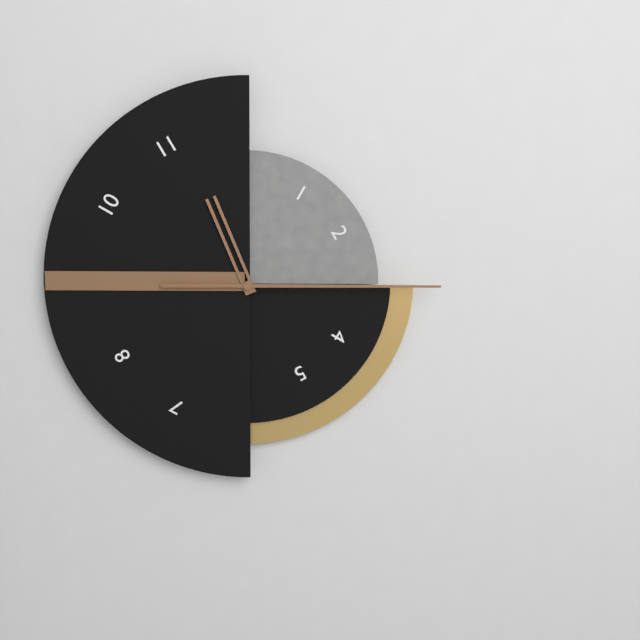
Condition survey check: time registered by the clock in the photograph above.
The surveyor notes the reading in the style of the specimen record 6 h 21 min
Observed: 11 h 15 min
